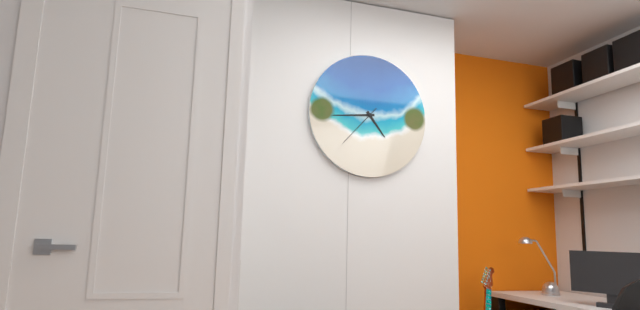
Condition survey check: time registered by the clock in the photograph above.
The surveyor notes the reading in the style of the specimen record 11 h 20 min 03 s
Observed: 4 h 44 min 37 s
